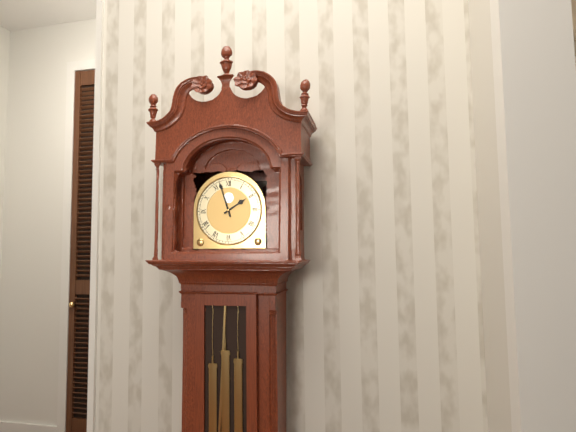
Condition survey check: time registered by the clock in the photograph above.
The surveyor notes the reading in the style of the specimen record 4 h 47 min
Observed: 1 h 57 min
